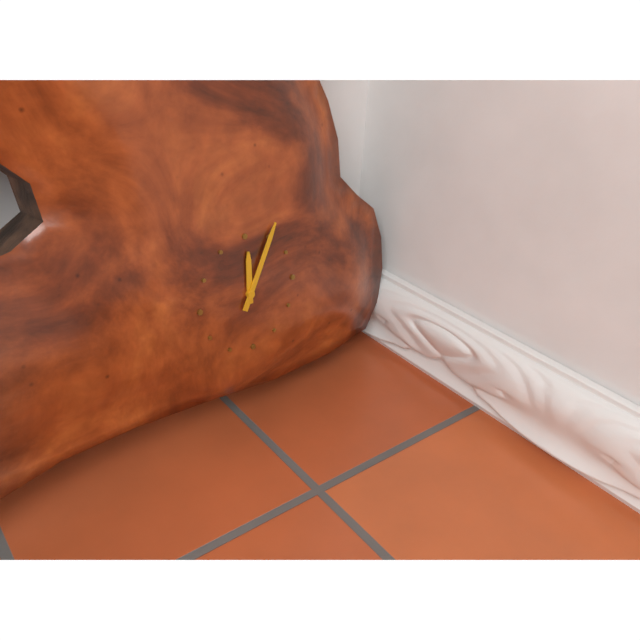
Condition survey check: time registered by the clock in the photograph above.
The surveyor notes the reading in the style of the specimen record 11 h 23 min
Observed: 12 h 05 min
